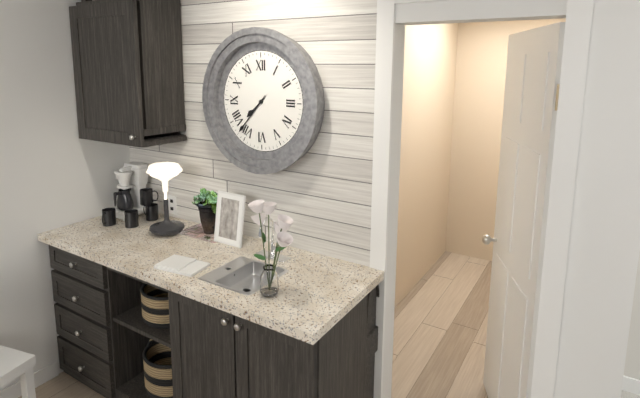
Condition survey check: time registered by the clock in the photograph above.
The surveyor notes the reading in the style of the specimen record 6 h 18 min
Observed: 7 h 37 min
